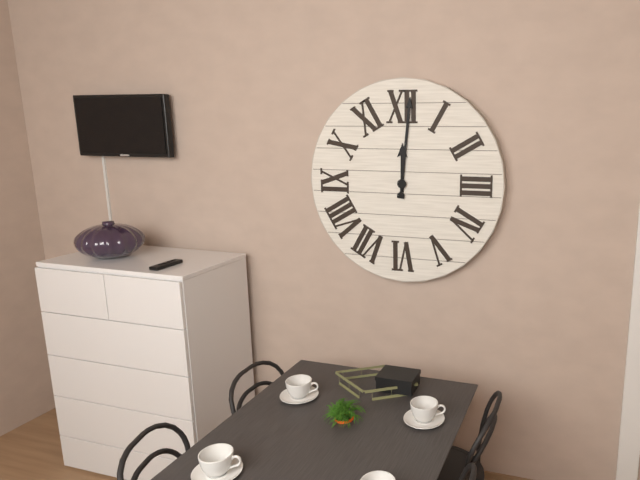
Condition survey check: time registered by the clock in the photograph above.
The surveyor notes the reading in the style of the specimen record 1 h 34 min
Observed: 12 h 01 min
